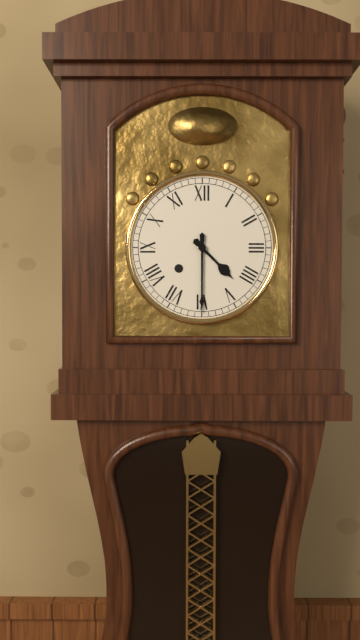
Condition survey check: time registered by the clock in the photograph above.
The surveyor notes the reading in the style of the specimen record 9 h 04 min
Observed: 4 h 30 min
